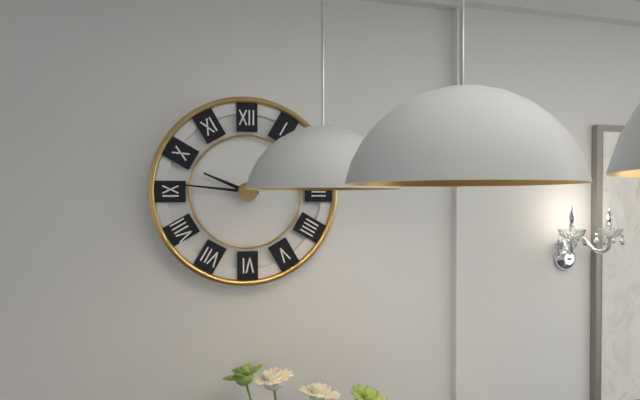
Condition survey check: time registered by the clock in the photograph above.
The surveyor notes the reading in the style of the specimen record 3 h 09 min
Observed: 9 h 46 min
